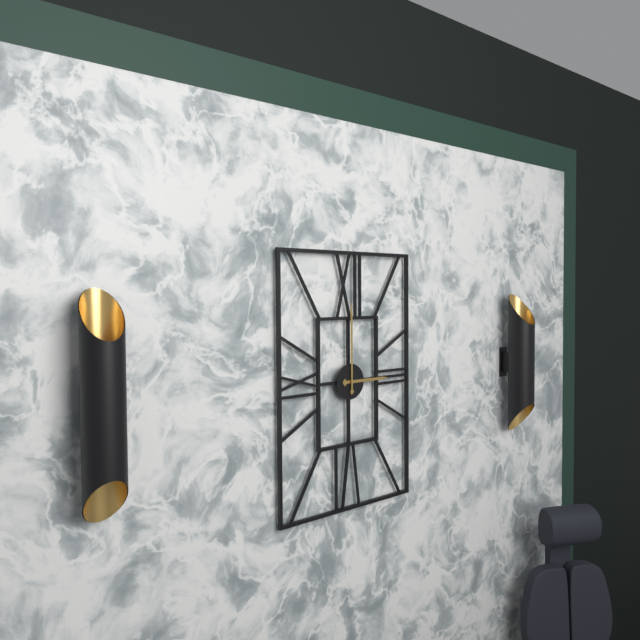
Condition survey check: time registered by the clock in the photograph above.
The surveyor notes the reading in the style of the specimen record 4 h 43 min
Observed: 3 h 00 min
